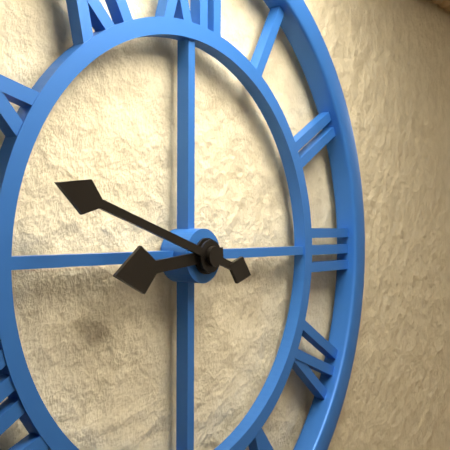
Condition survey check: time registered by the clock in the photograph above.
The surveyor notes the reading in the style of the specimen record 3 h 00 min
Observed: 8 h 48 min
